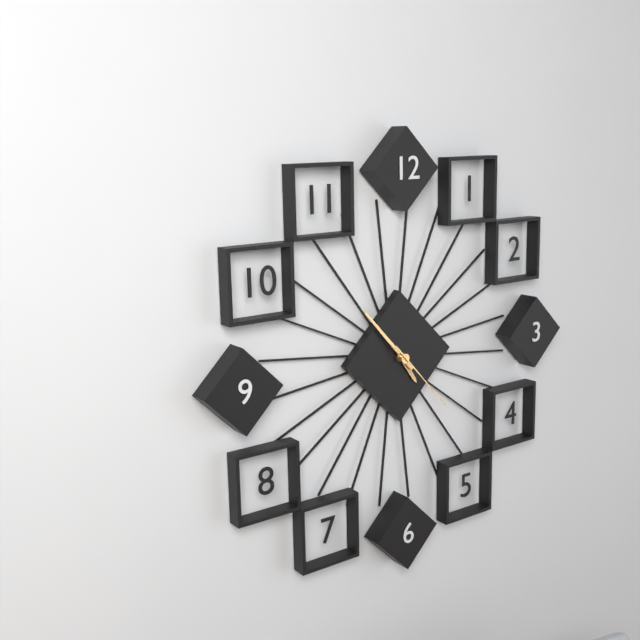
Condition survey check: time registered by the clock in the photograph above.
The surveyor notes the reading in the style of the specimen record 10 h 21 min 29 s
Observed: 4 h 53 min 23 s
